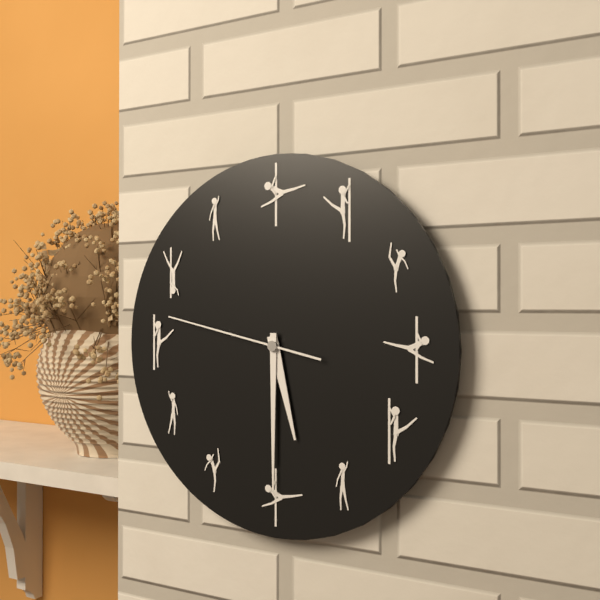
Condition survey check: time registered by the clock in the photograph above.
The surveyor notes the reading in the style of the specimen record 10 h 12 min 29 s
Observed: 5 h 30 min 47 s
